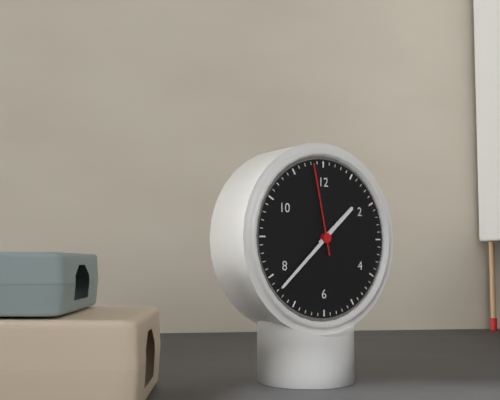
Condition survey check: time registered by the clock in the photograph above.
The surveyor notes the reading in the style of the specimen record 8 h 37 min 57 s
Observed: 1 h 38 min 58 s
